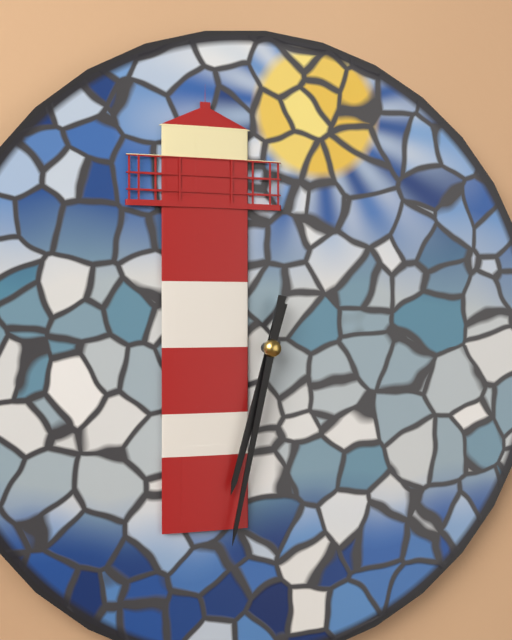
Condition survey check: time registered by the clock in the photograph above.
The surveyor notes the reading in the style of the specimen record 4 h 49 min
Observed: 6 h 32 min
